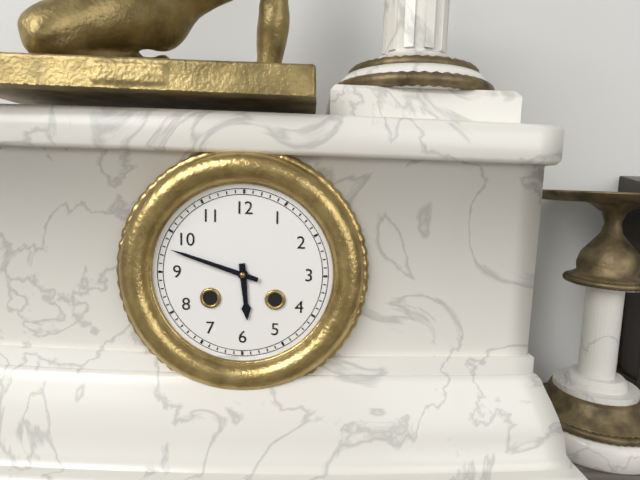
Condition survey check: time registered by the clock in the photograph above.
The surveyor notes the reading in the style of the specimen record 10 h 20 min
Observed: 5 h 48 min
